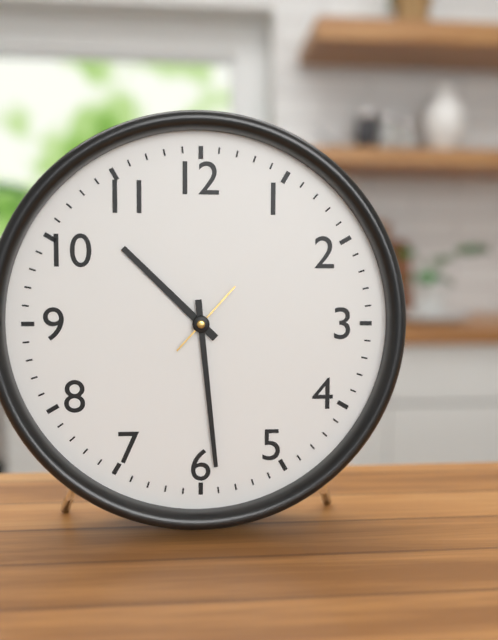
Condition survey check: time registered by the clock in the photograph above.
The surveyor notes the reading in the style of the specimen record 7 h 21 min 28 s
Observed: 10 h 29 min 07 s
